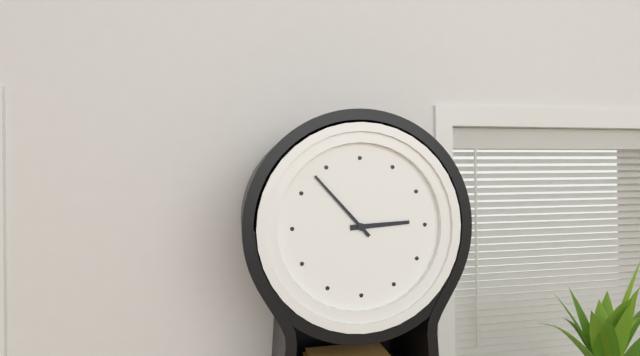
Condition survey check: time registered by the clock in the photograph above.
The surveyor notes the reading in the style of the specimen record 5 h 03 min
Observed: 2 h 53 min
